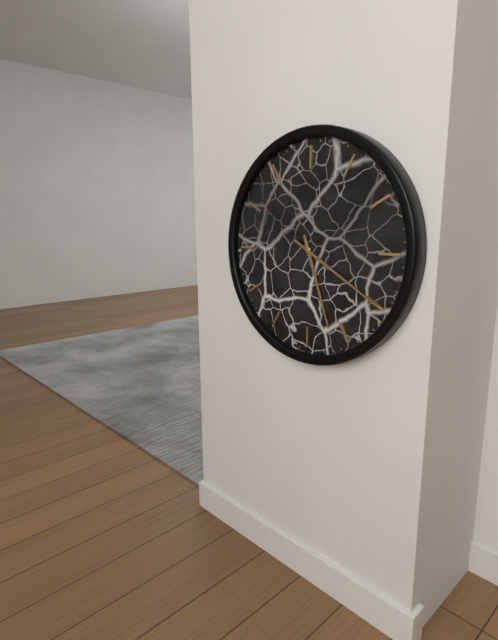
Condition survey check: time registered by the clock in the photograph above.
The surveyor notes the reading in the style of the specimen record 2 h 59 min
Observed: 5 h 20 min
